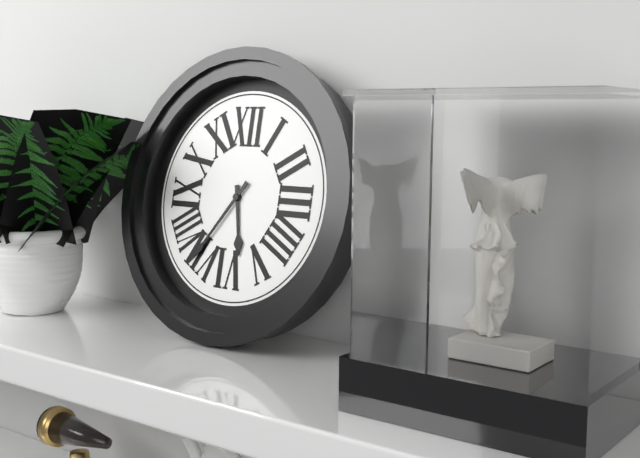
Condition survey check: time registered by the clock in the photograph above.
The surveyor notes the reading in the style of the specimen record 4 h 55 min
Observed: 5 h 36 min
